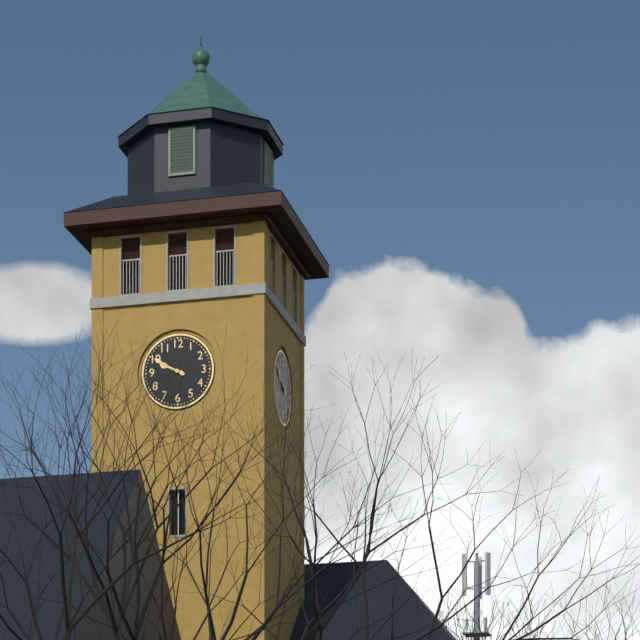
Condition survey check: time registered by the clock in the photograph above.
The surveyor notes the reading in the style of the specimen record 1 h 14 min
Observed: 9 h 50 min
